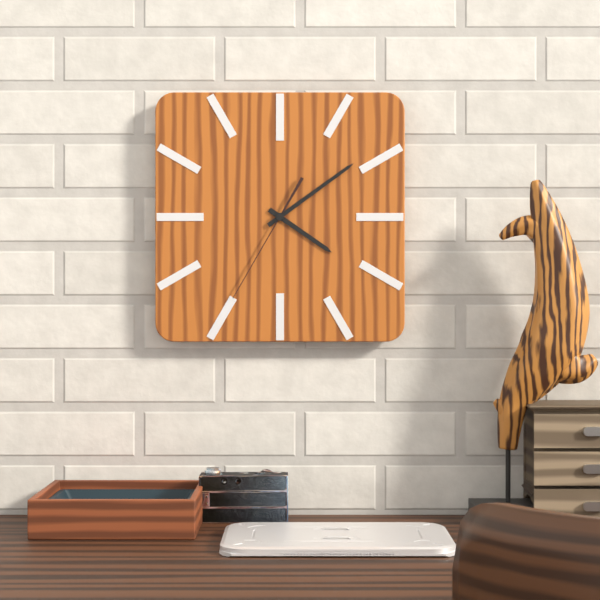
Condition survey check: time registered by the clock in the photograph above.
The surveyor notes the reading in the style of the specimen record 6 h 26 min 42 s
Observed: 4 h 09 min 35 s
